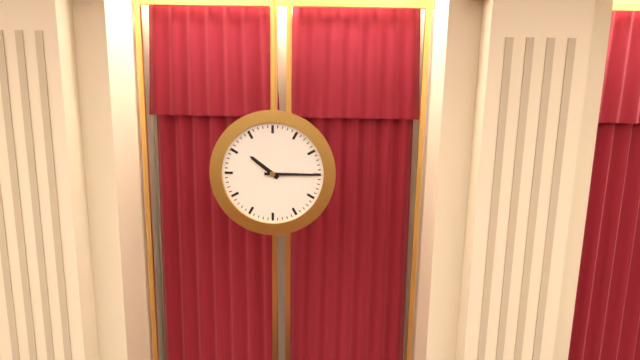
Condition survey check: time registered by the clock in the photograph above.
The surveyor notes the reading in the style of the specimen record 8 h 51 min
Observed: 10 h 15 min
